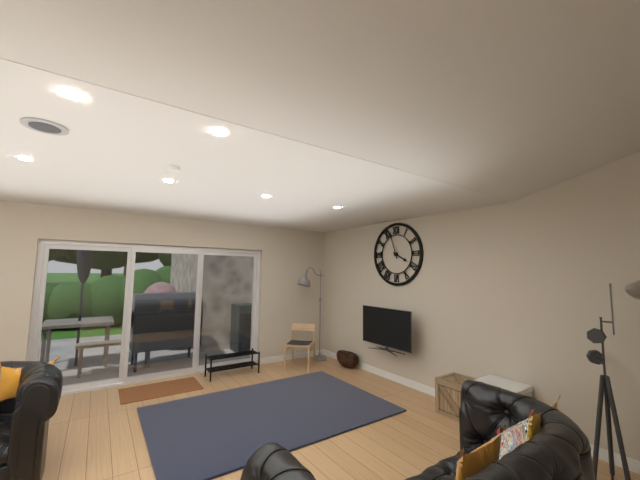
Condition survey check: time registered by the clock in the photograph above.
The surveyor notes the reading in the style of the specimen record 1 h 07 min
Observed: 3 h 57 min
